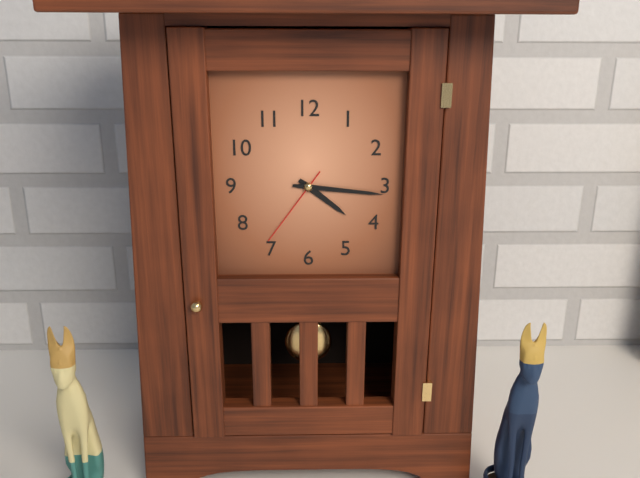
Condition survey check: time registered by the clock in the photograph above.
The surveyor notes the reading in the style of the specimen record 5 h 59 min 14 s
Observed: 4 h 16 min 36 s
